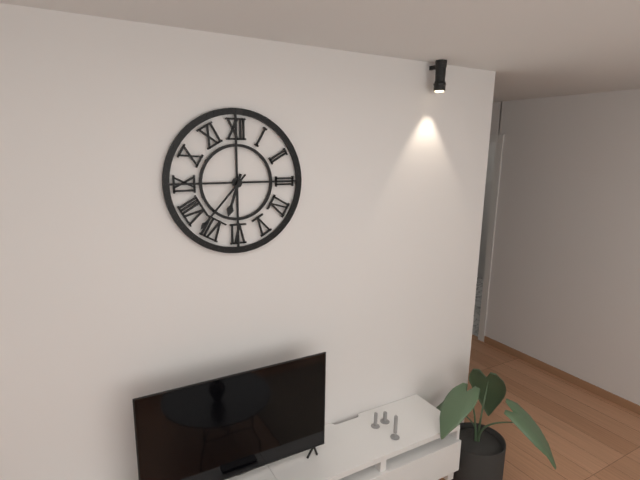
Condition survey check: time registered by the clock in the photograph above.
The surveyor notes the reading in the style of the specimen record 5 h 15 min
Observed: 6 h 37 min
